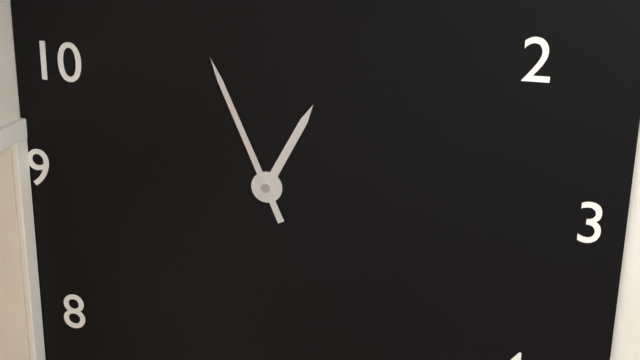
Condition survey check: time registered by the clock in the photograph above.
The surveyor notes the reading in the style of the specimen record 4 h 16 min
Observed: 12 h 56 min
